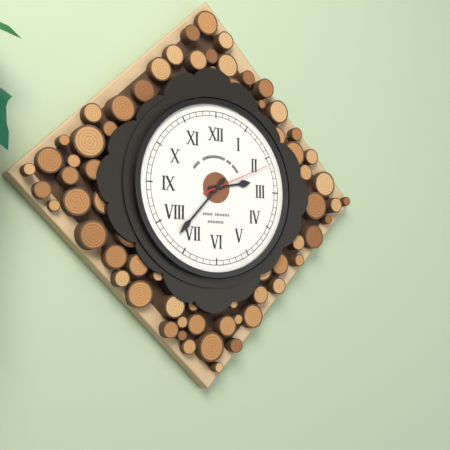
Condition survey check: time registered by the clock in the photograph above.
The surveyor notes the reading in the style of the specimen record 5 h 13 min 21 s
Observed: 2 h 37 min 11 s
